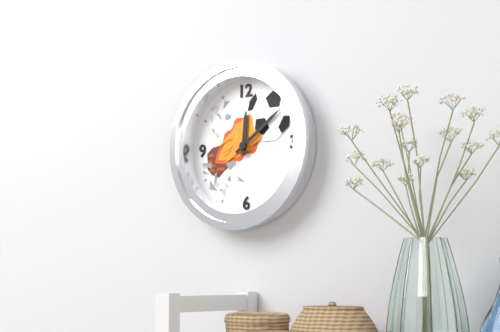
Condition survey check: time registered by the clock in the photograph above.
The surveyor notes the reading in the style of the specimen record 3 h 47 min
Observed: 12 h 09 min
